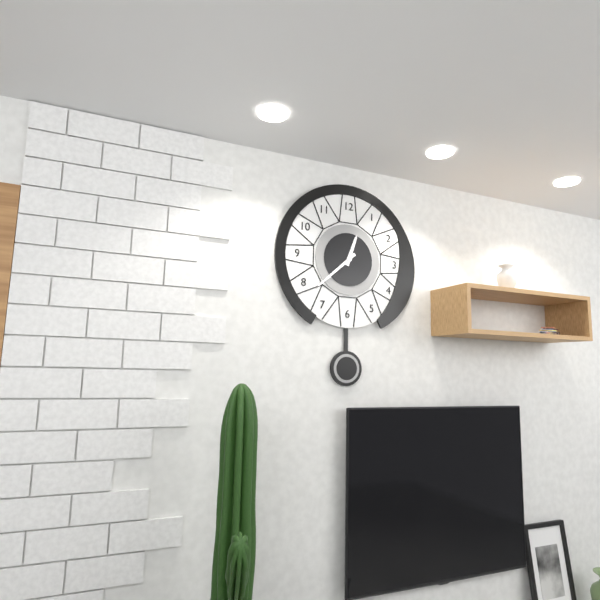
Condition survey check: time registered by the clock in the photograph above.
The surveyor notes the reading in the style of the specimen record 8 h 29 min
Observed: 12 h 38 min
